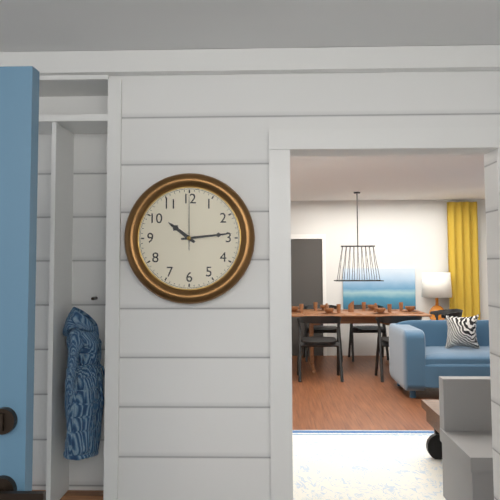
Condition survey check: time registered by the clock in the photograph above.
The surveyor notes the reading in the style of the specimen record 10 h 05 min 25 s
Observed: 10 h 14 min 00 s
